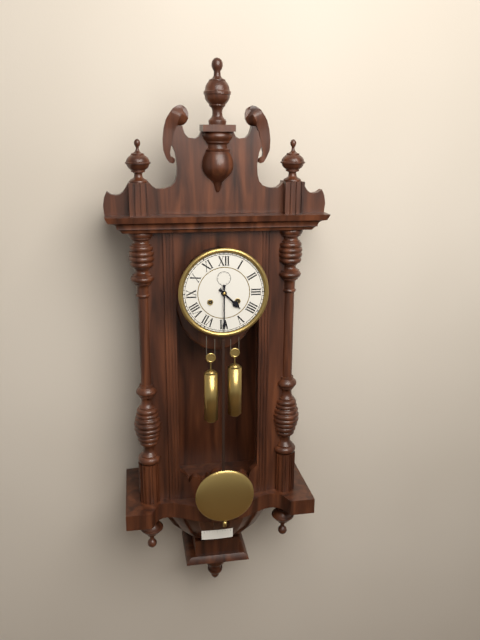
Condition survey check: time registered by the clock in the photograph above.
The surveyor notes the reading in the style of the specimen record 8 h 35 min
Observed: 4 h 30 min
